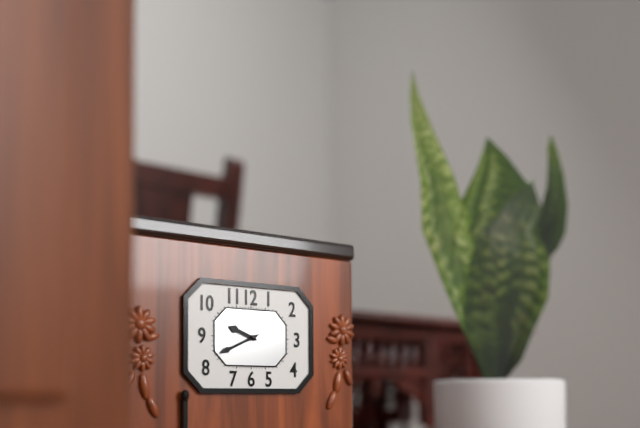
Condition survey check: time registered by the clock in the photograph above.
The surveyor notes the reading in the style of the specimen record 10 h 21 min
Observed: 9 h 41 min
